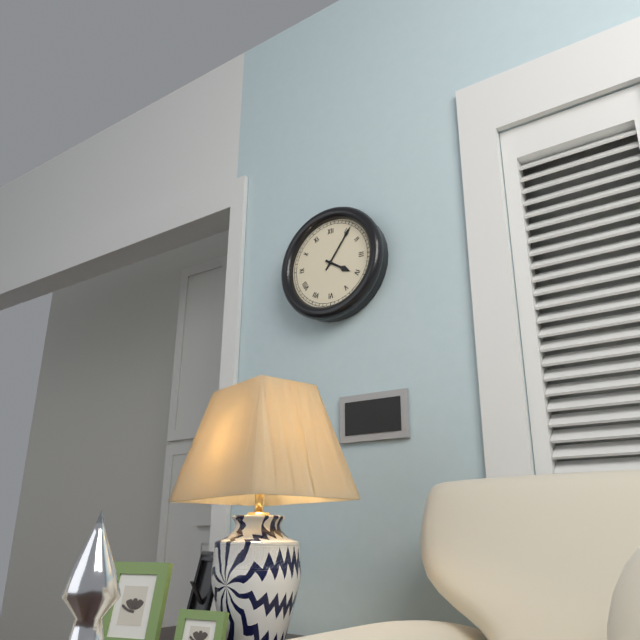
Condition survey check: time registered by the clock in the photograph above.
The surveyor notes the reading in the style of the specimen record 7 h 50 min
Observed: 4 h 06 min
